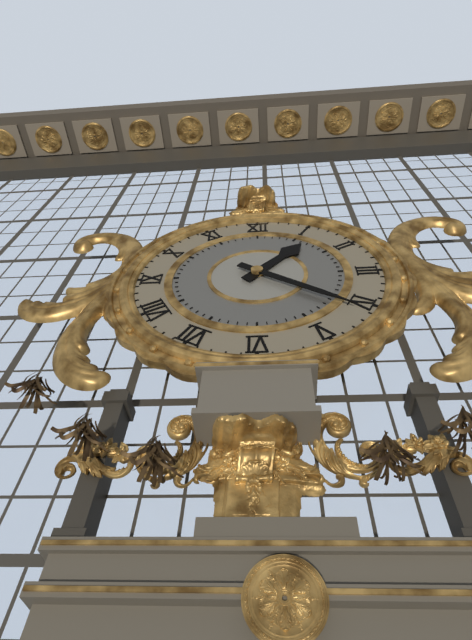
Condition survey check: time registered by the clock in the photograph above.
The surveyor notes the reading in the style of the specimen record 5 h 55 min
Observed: 1 h 21 min
